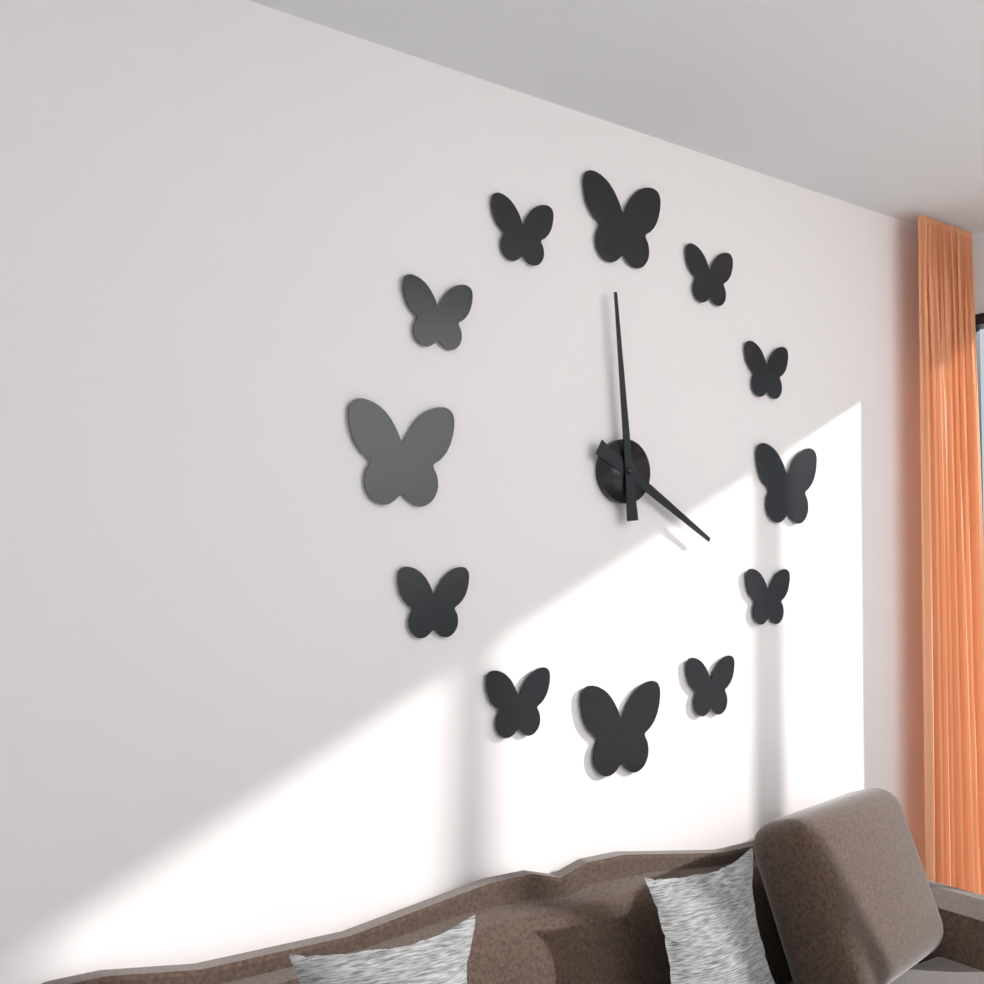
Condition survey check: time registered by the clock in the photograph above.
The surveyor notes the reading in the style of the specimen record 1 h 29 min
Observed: 3 h 59 min
